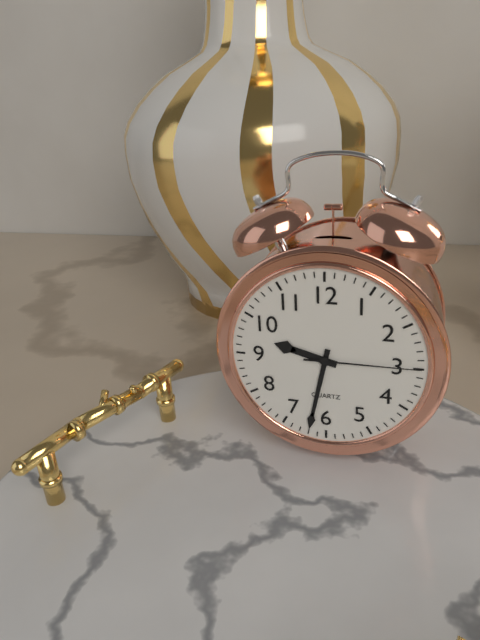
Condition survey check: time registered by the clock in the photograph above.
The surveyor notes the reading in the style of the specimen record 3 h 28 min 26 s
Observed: 9 h 32 min 15 s
